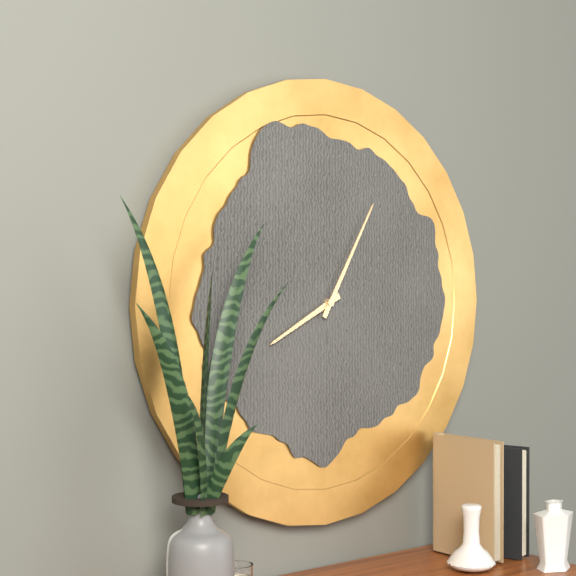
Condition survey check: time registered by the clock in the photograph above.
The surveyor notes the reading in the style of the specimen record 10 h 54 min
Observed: 8 h 05 min
